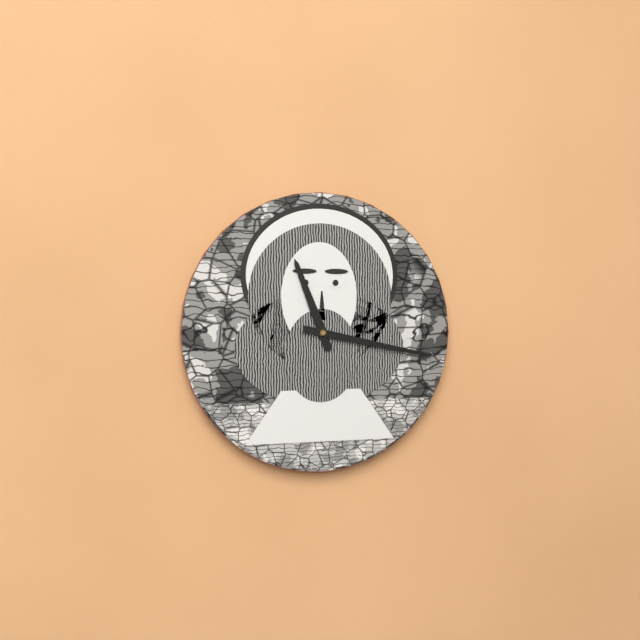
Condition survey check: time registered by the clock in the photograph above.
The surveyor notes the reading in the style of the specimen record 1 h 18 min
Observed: 11 h 17 min
